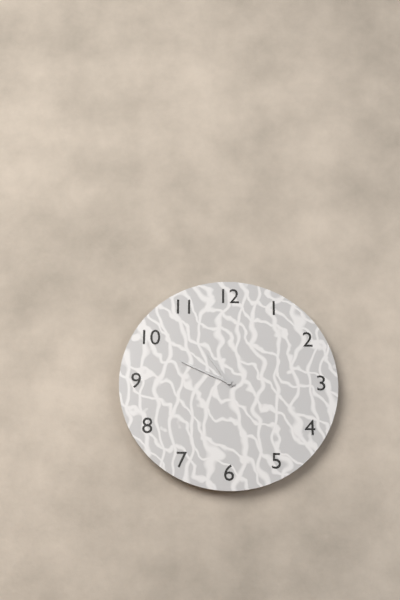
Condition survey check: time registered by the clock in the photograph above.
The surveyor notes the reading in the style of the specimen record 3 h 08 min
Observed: 10 h 49 min
